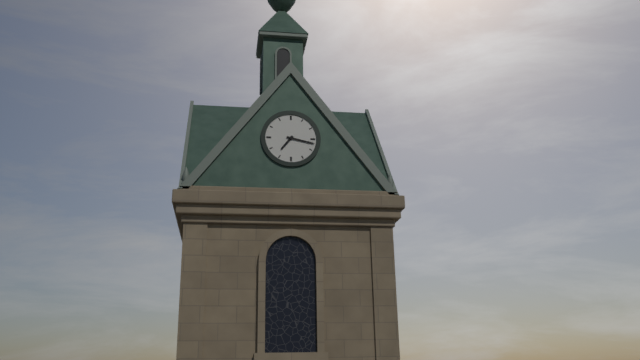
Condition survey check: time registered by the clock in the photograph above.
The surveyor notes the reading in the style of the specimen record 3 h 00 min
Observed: 7 h 17 min
